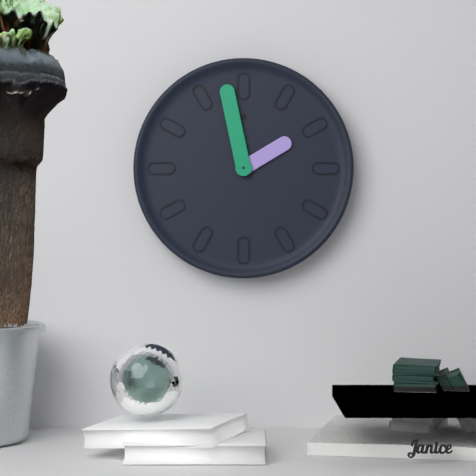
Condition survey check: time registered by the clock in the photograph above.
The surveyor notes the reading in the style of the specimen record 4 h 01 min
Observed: 1 h 58 min
